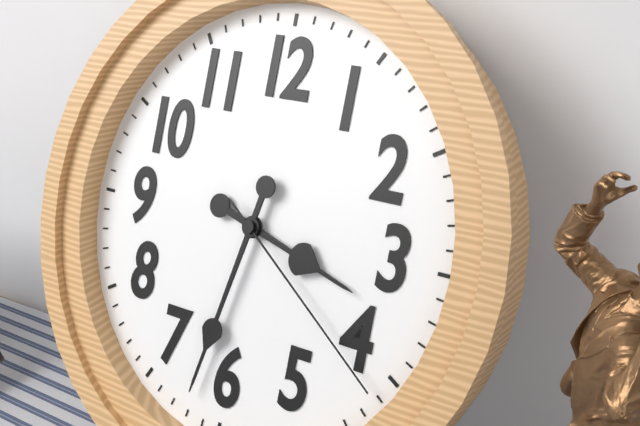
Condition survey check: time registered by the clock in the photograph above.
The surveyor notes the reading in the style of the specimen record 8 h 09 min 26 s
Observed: 3 h 32 min 21 s
